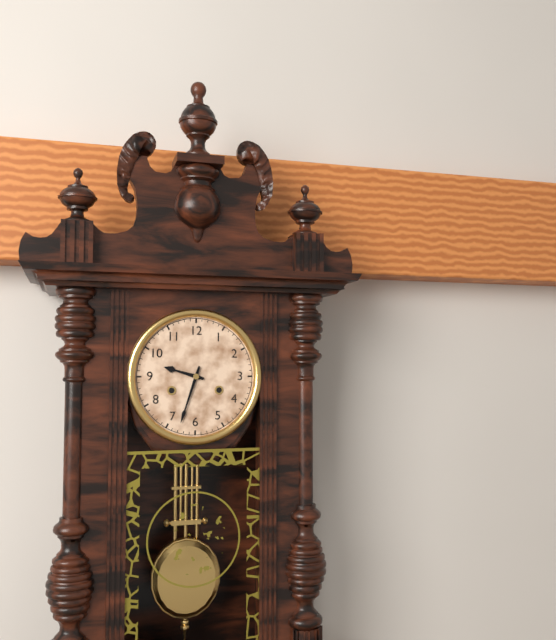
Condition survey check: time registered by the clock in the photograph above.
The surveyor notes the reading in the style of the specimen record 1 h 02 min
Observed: 9 h 33 min
